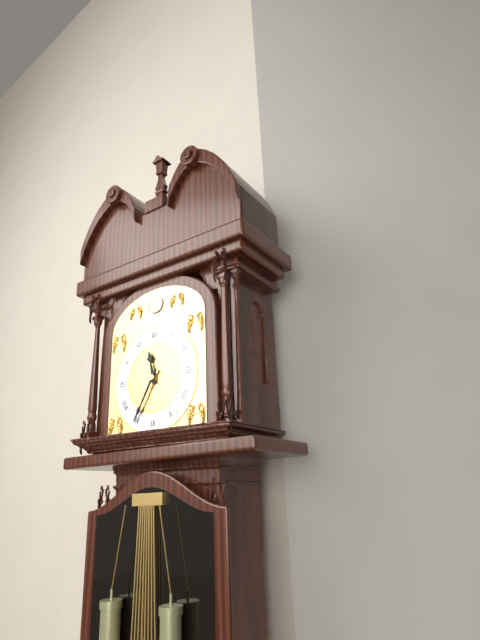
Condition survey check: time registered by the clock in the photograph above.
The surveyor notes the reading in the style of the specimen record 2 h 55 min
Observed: 11 h 35 min
